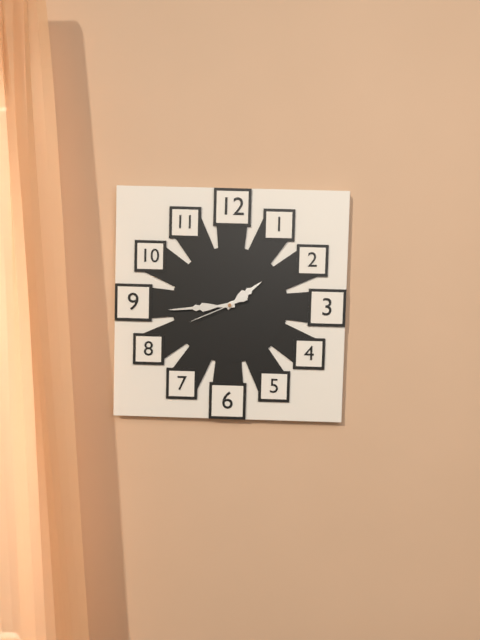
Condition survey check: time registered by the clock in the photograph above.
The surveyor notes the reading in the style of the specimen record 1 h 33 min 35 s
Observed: 1 h 44 min 41 s
